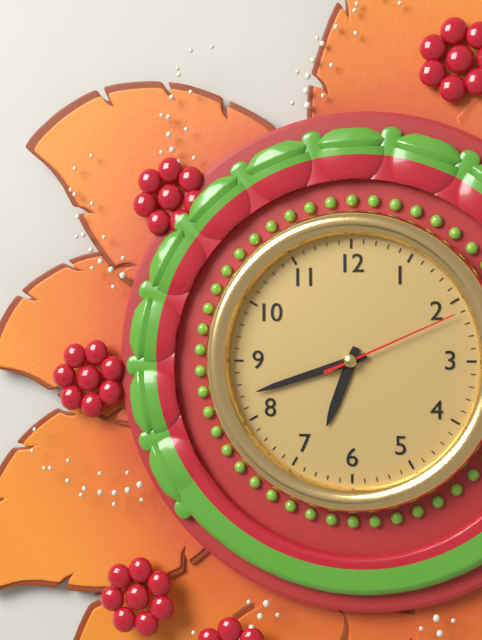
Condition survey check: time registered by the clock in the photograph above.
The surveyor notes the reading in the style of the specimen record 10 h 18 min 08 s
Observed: 6 h 42 min 11 s
